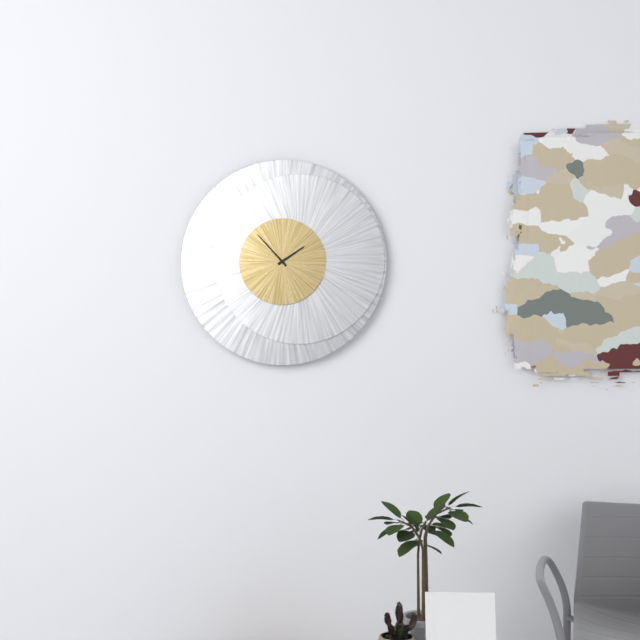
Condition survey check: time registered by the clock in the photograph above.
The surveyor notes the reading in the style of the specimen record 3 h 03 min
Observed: 1 h 53 min
